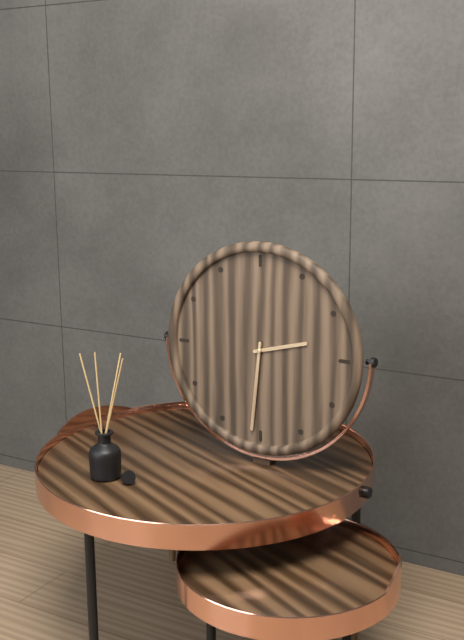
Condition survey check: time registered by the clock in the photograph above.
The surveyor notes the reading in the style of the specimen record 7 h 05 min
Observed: 2 h 31 min
